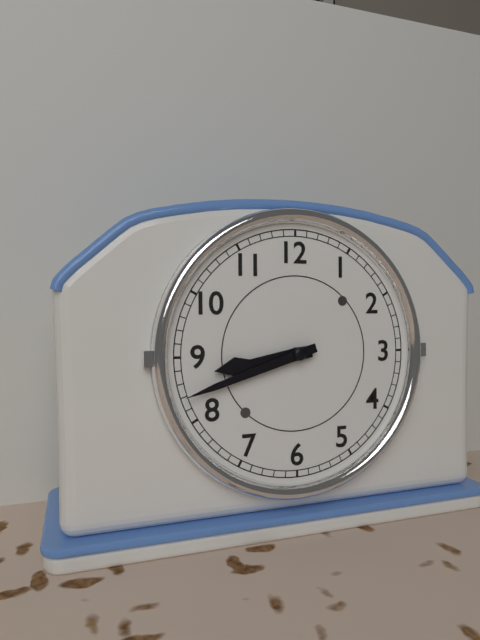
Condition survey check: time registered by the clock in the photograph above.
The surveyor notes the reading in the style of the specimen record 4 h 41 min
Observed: 8 h 42 min
